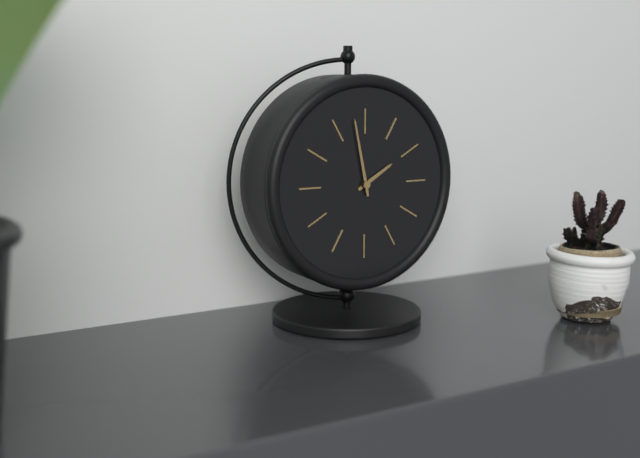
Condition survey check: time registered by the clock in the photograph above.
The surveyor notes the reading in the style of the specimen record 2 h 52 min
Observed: 1 h 58 min
